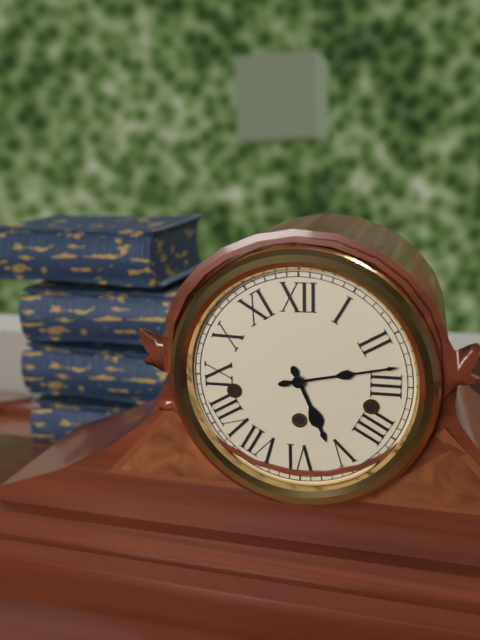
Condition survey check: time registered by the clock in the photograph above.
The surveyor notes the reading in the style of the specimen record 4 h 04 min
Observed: 5 h 13 min
